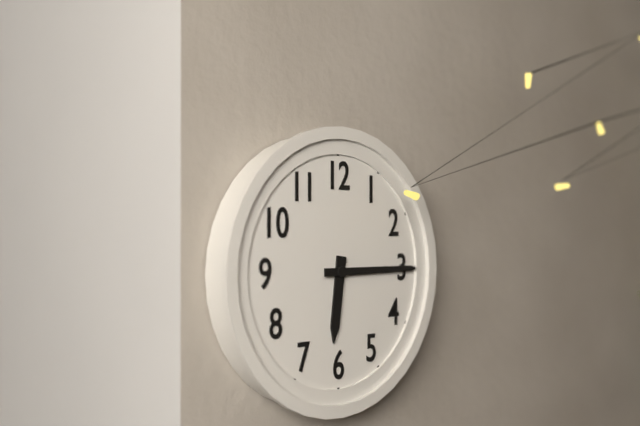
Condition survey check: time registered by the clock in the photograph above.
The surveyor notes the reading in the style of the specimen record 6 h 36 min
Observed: 6 h 15 min
